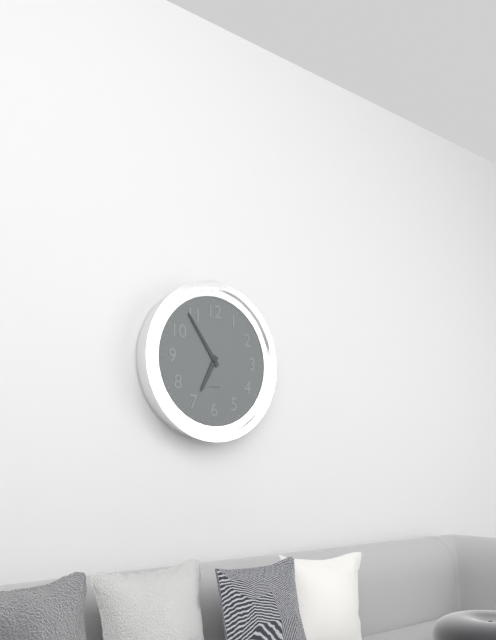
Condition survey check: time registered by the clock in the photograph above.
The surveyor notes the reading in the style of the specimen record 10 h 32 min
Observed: 6 h 54 min
